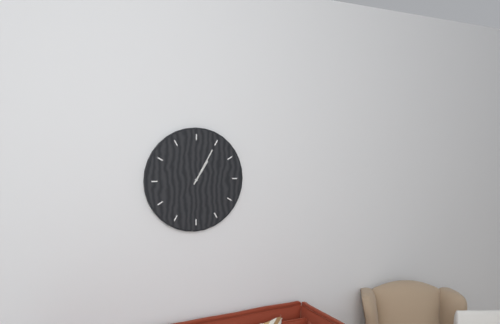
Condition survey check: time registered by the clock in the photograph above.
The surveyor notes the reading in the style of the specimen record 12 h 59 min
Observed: 1 h 05 min
